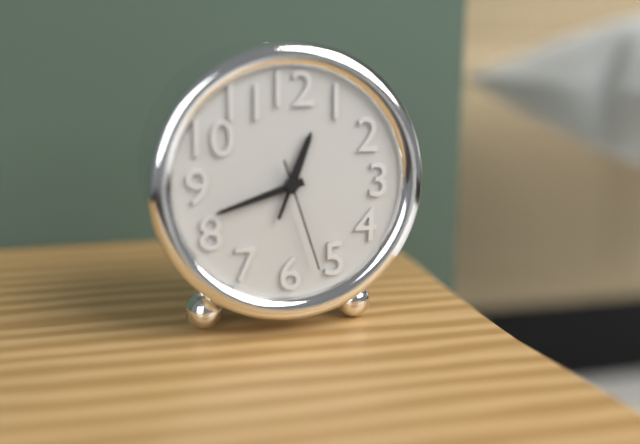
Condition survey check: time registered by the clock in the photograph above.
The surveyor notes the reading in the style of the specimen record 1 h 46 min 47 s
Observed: 12 h 42 min 27 s
